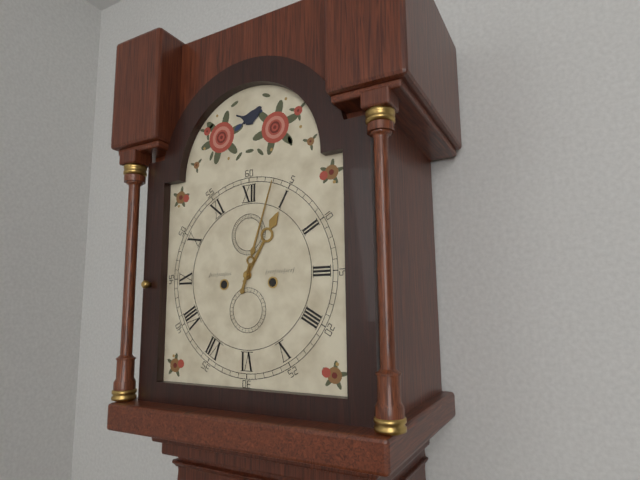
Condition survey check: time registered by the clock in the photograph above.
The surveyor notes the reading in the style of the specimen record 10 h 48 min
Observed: 1 h 03 min
